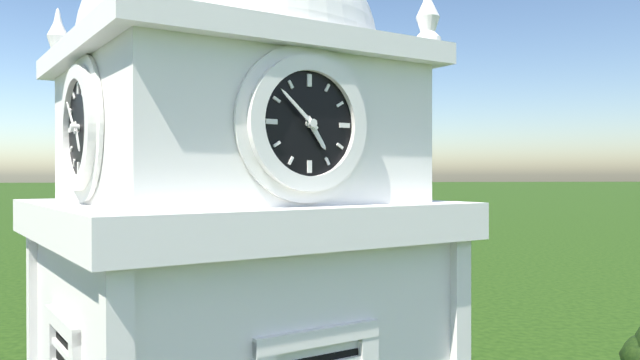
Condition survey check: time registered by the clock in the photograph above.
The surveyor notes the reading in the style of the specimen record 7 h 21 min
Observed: 4 h 52 min
